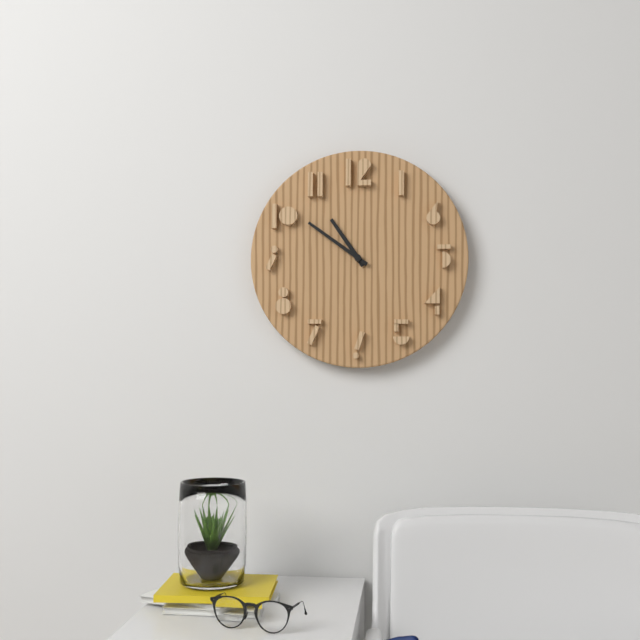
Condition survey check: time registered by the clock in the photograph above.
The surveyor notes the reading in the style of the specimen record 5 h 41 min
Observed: 10 h 51 min
